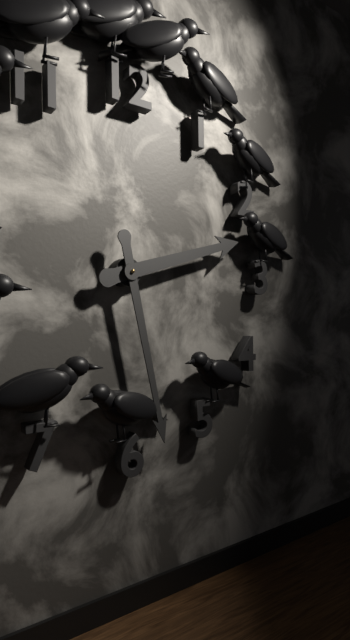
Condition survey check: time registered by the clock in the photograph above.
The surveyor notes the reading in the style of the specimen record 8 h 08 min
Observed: 2 h 28 min
